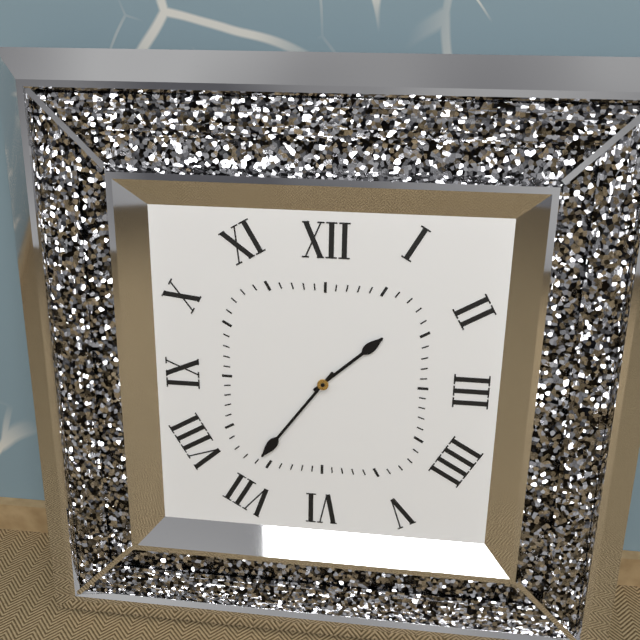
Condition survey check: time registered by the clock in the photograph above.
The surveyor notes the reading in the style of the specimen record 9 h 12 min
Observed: 1 h 36 min
